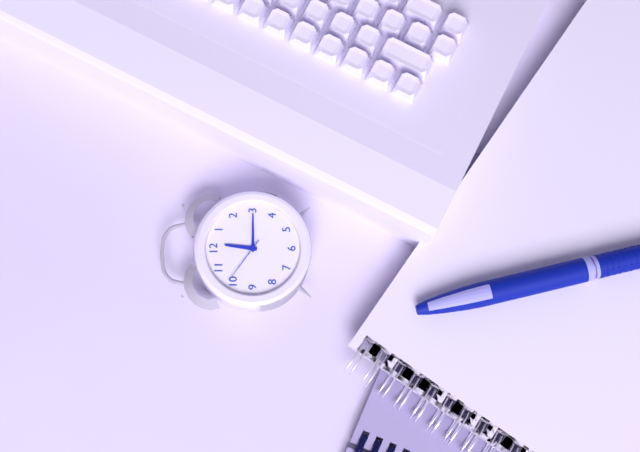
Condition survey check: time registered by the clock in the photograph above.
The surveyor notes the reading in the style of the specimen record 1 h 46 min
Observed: 12 h 15 min
